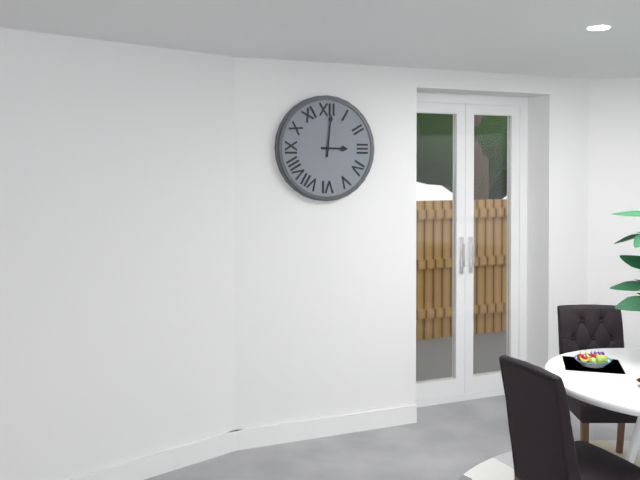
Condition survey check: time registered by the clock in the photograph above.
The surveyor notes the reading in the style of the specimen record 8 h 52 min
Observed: 3 h 01 min
